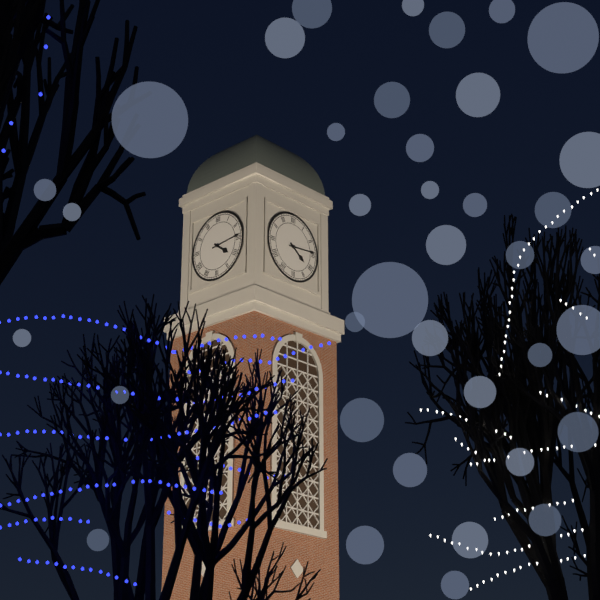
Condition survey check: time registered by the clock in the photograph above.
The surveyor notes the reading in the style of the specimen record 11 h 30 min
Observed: 4 h 14 min
